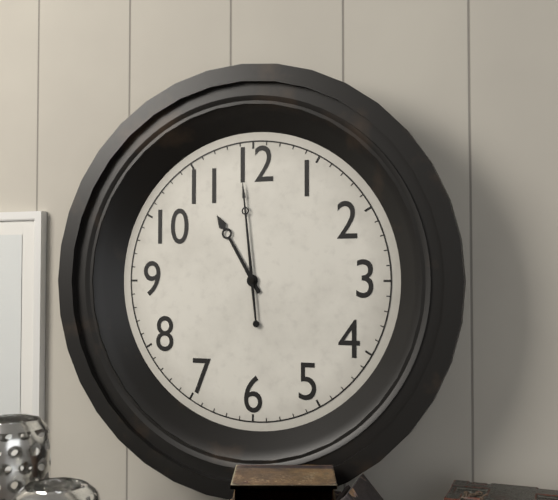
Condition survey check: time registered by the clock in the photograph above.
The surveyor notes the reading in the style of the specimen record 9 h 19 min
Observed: 10 h 59 min
